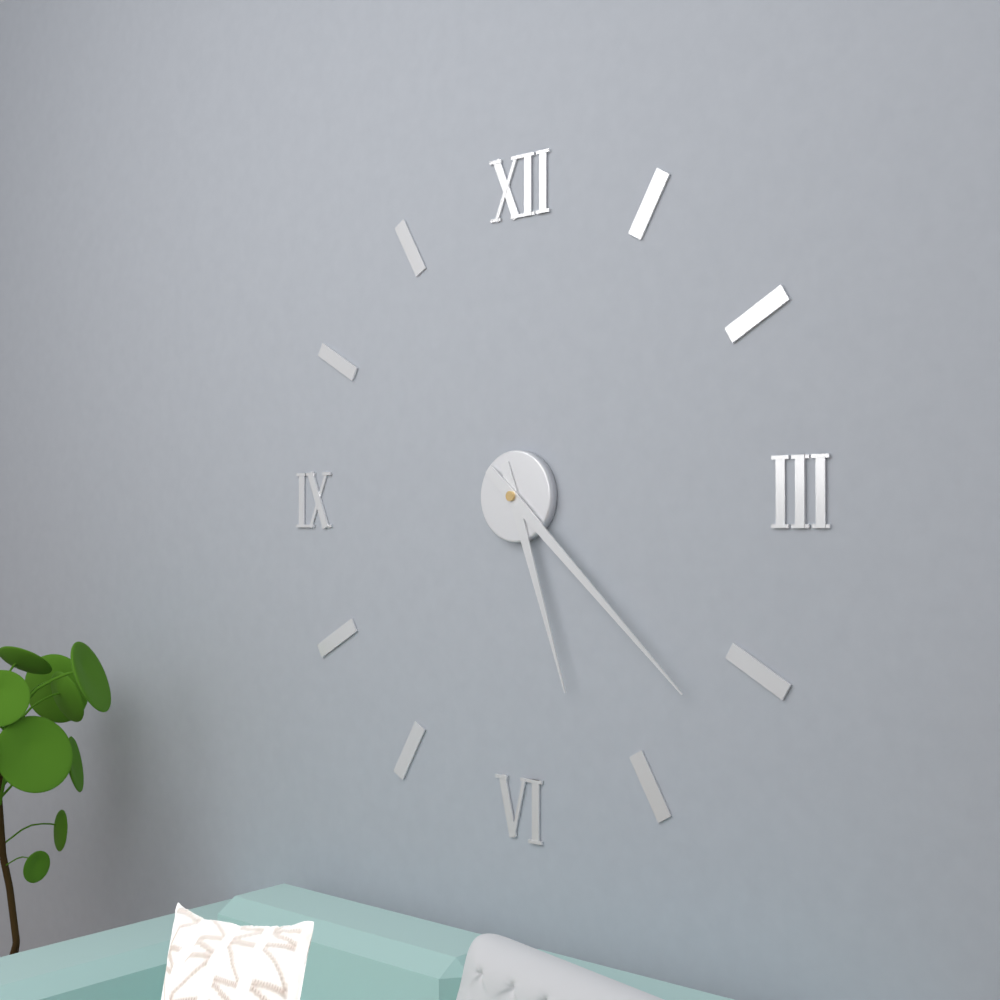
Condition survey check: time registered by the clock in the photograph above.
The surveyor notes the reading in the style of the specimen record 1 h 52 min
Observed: 5 h 22 min
